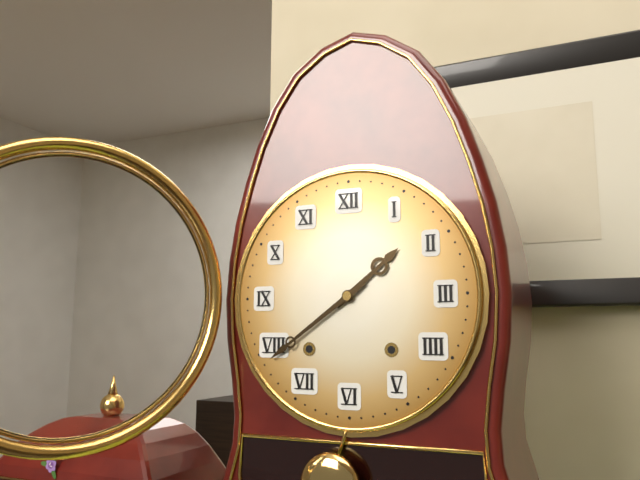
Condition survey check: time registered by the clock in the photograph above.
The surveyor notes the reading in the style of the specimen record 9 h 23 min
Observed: 1 h 39 min
